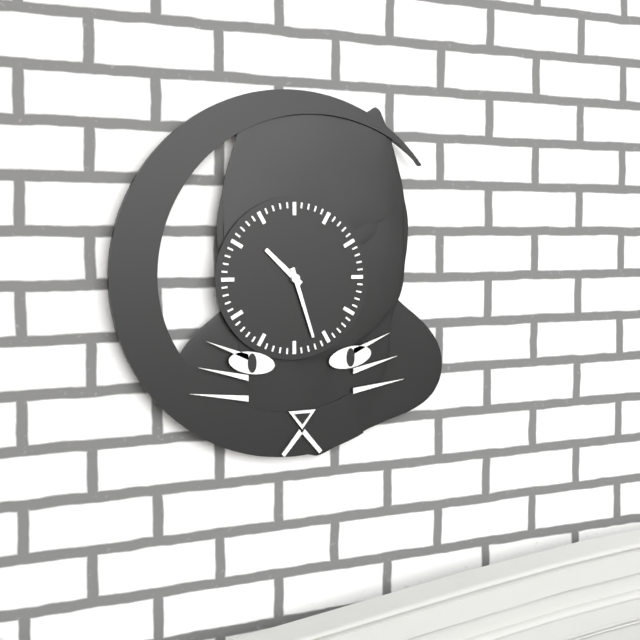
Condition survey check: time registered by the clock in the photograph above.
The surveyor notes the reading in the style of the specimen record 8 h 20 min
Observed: 10 h 27 min
